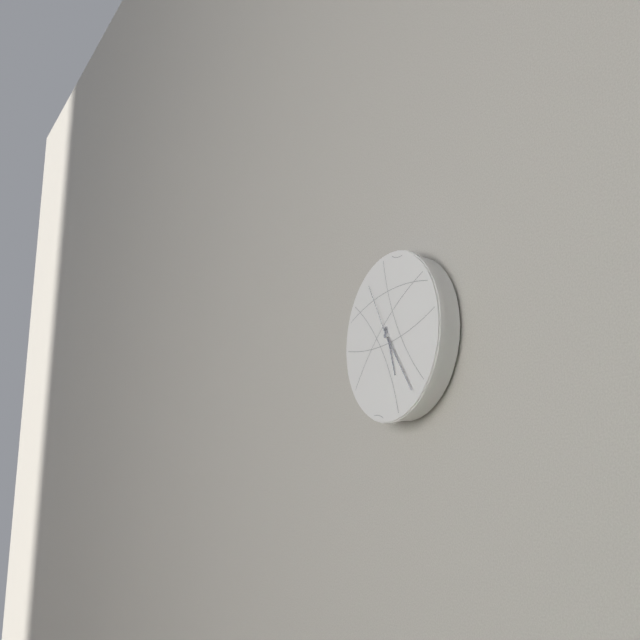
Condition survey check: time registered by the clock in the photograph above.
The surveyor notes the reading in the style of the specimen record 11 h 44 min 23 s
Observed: 5 h 24 min 55 s
